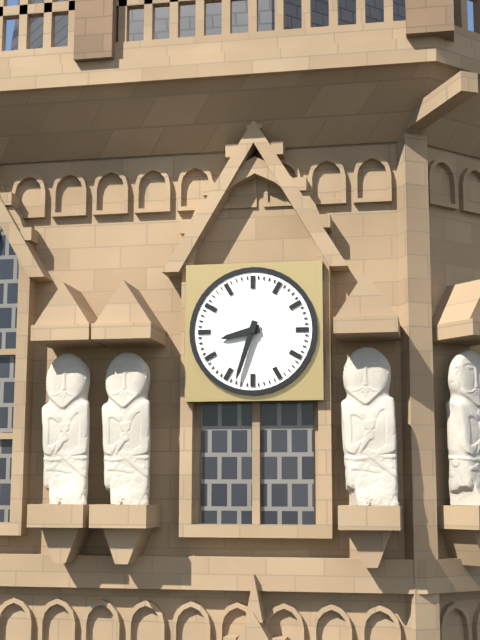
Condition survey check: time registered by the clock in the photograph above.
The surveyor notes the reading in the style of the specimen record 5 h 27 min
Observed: 8 h 33 min
